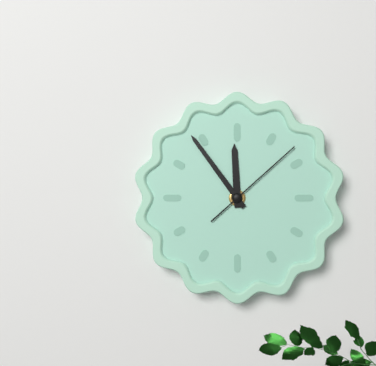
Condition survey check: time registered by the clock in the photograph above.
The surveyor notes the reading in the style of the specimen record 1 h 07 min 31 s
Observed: 11 h 54 min 08 s
